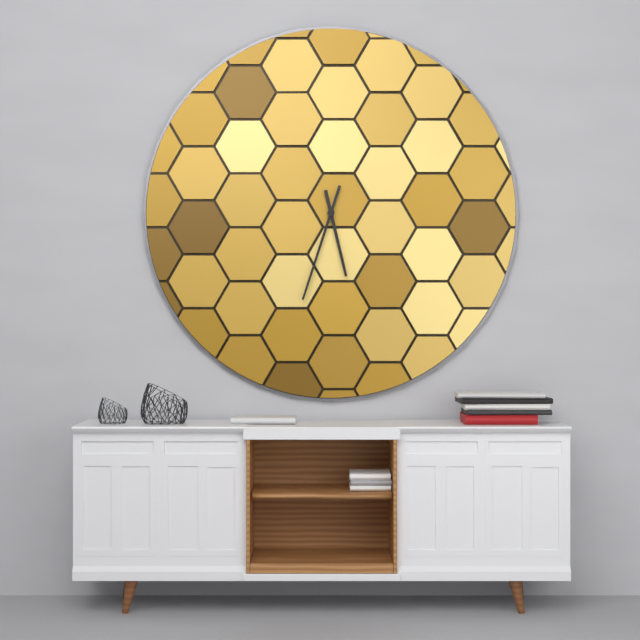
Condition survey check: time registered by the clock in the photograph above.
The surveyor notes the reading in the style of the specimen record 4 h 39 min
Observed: 5 h 33 min
